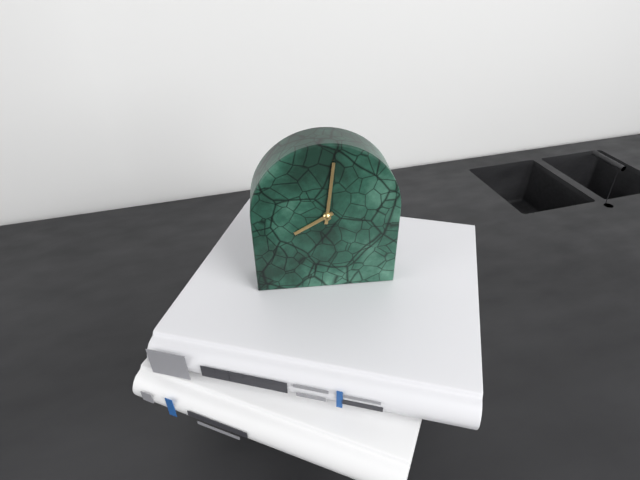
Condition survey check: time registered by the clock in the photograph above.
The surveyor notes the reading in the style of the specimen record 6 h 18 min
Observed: 8 h 01 min
